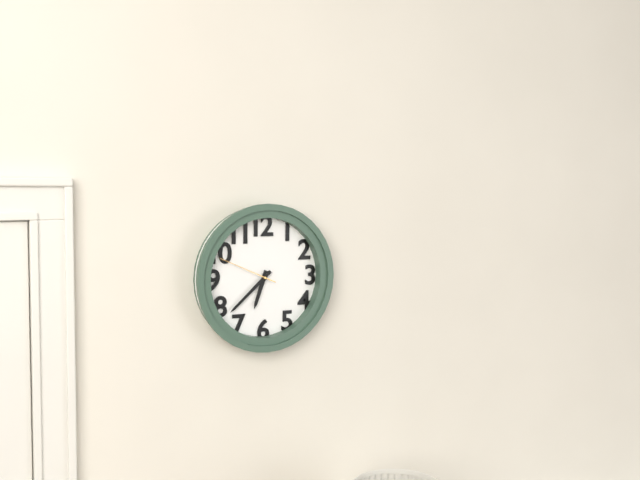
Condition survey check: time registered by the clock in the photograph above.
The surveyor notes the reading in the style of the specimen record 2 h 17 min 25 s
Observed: 6 h 38 min 49 s
